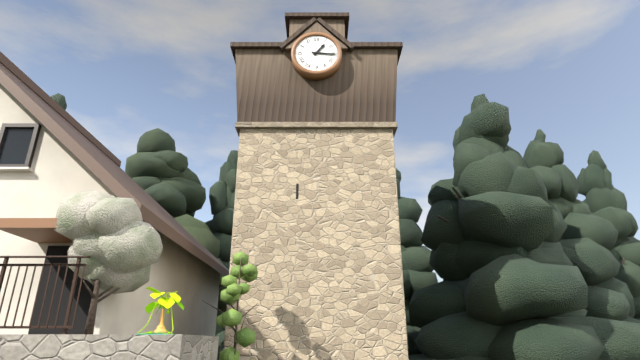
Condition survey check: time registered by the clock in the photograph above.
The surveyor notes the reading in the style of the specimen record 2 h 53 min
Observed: 1 h 16 min
